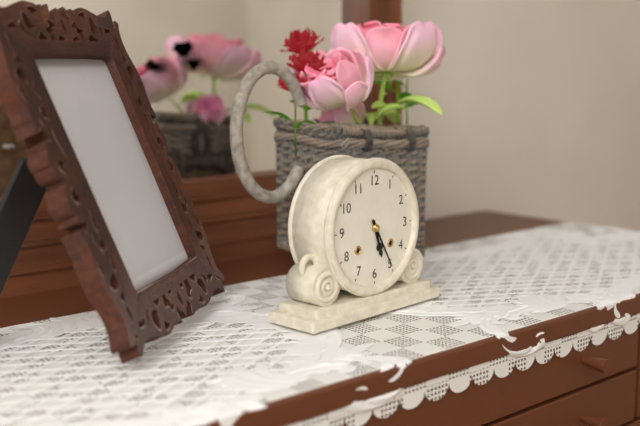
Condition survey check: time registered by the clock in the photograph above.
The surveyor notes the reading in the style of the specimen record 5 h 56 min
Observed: 5 h 25 min
